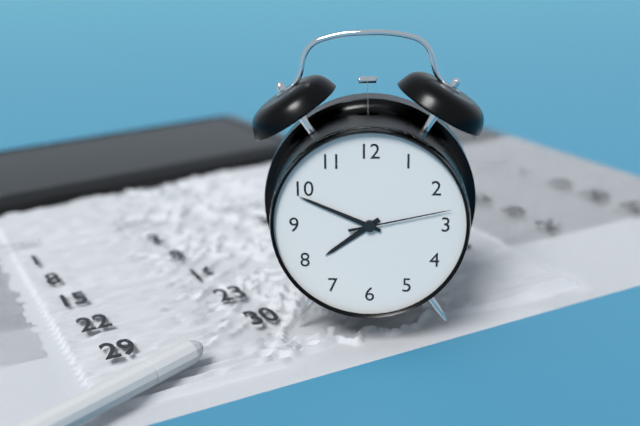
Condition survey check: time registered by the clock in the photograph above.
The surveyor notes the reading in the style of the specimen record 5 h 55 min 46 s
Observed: 7 h 49 min 13 s
